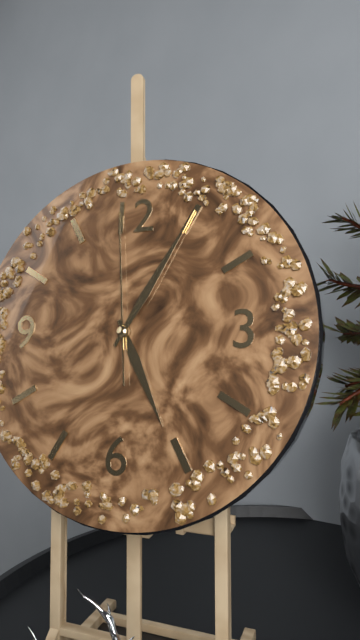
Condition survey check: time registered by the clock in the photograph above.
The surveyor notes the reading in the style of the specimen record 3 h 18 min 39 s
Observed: 5 h 05 min 59 s
